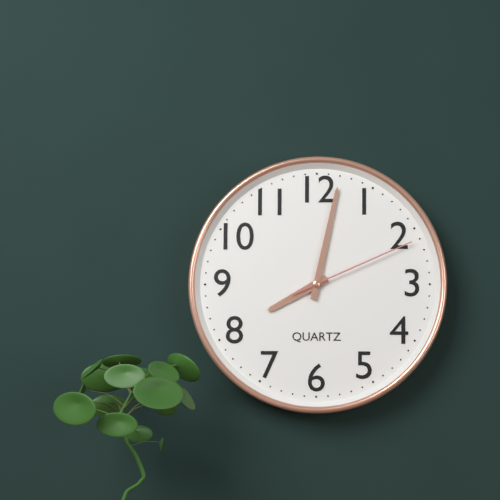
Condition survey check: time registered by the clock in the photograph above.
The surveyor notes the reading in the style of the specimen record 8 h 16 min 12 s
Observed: 8 h 02 min 11 s
